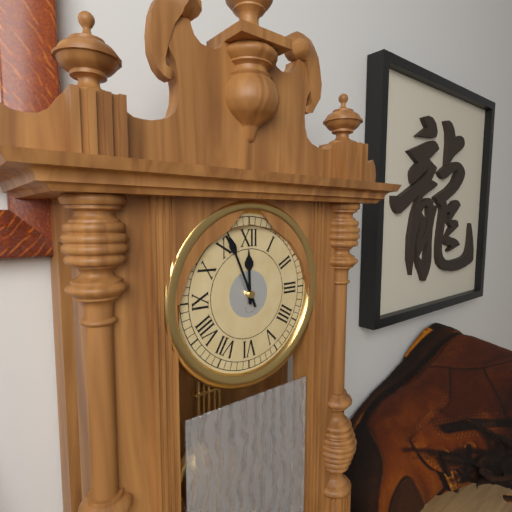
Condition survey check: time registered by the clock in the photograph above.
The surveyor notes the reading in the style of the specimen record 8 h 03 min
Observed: 11 h 56 min
